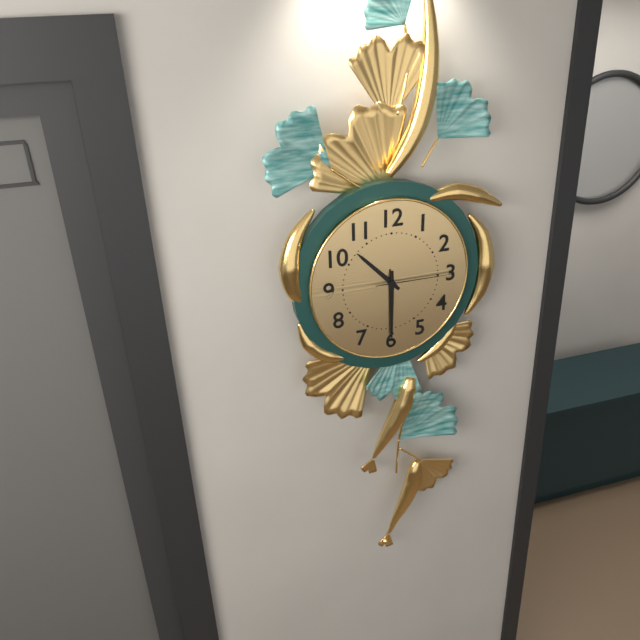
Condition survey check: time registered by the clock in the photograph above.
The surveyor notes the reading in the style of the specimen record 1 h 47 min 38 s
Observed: 10 h 30 min 15 s
